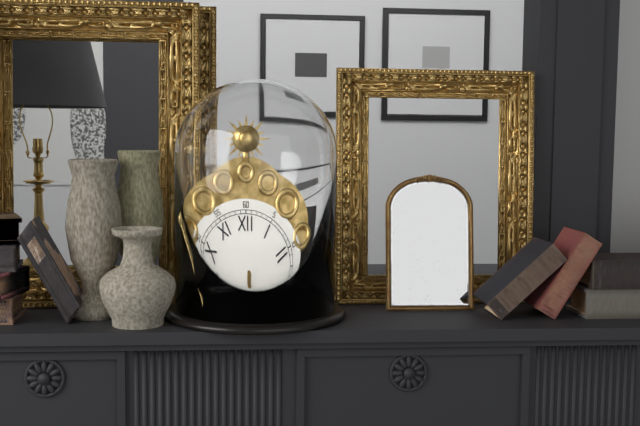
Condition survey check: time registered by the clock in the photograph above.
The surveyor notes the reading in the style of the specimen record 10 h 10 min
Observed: 4 h 33 min
